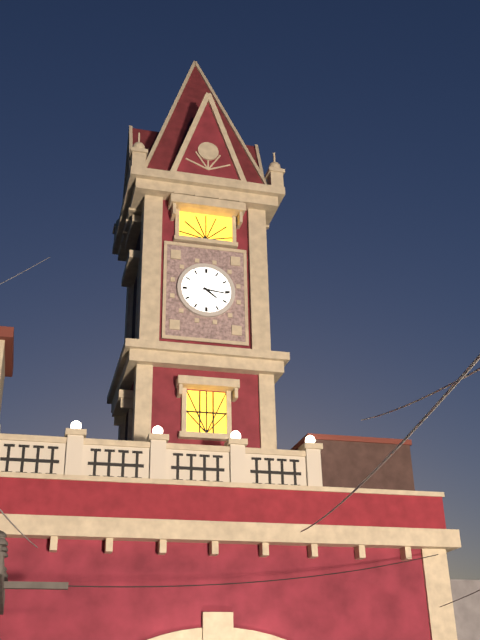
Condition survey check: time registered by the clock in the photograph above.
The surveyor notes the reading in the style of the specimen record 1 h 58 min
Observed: 4 h 16 min
